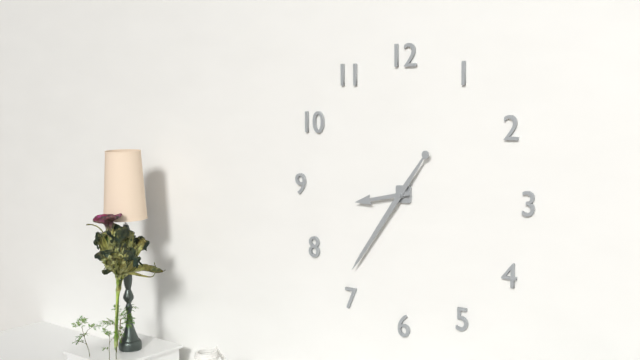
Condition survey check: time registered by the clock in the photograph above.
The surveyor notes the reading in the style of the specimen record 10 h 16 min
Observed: 8 h 36 min
